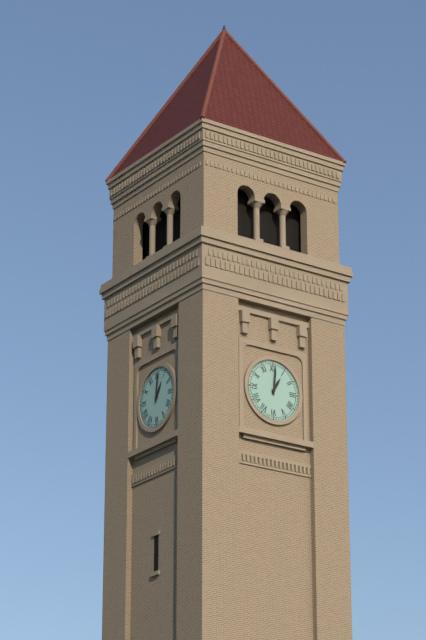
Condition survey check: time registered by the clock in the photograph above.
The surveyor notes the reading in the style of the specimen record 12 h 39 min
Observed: 1 h 01 min
